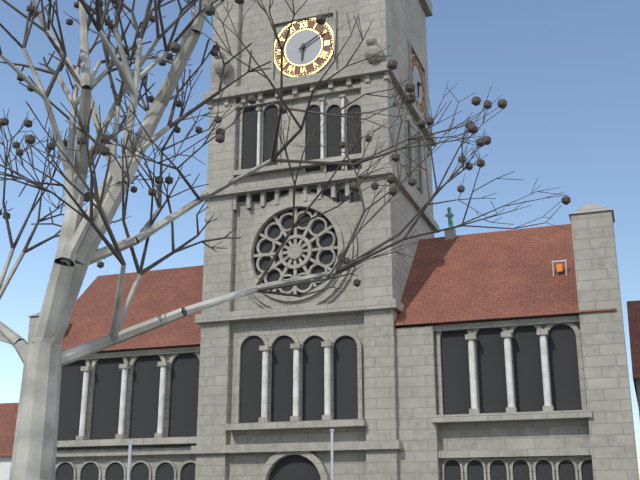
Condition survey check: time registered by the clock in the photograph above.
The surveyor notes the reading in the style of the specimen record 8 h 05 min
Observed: 6 h 10 min
